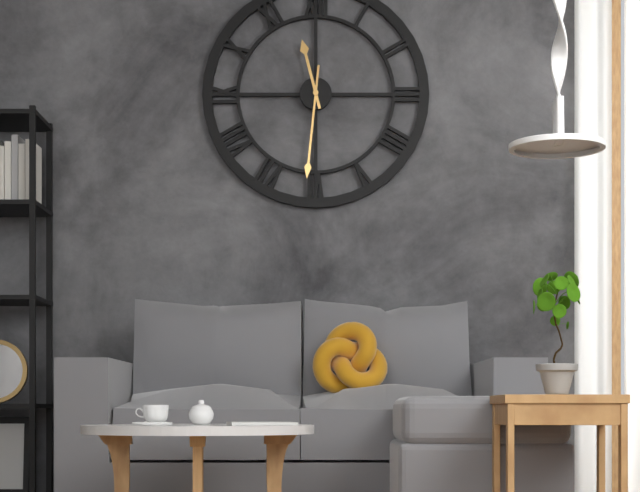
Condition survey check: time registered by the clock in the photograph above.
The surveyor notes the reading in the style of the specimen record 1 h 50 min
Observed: 11 h 31 min
